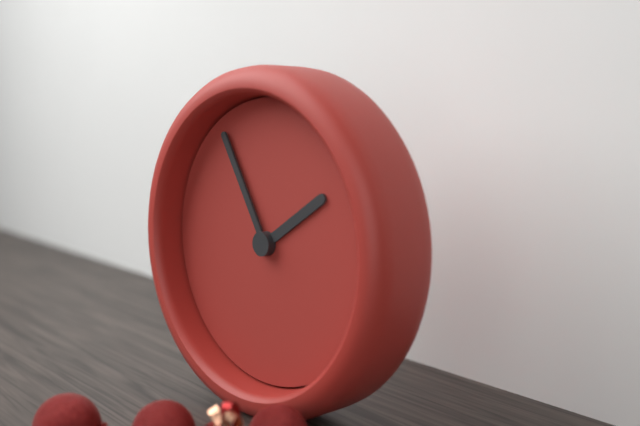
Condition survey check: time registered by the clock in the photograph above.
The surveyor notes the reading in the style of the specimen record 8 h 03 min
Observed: 1 h 55 min
